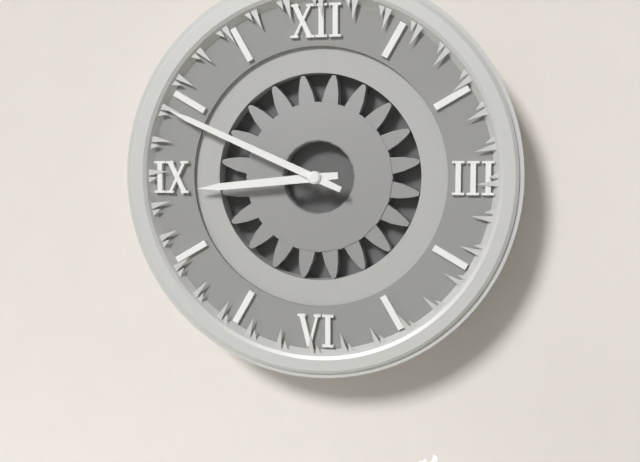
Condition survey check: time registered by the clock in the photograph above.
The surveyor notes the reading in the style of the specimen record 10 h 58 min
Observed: 8 h 49 min
